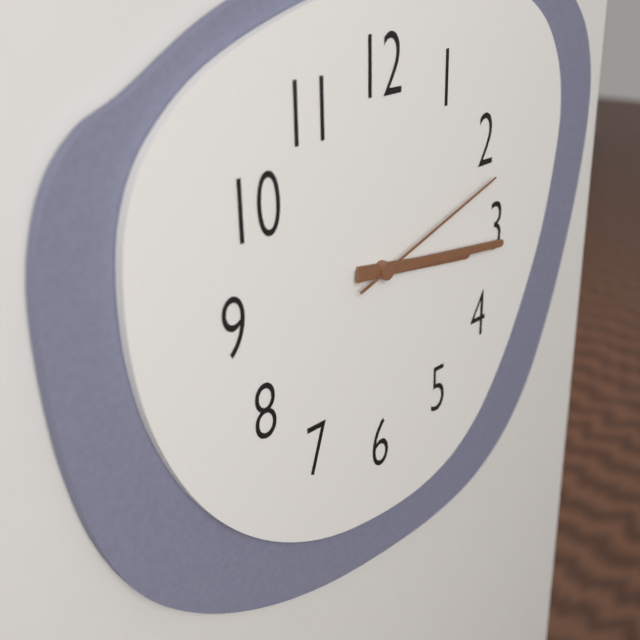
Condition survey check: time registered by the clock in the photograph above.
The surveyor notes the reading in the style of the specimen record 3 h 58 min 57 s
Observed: 3 h 16 min 12 s
